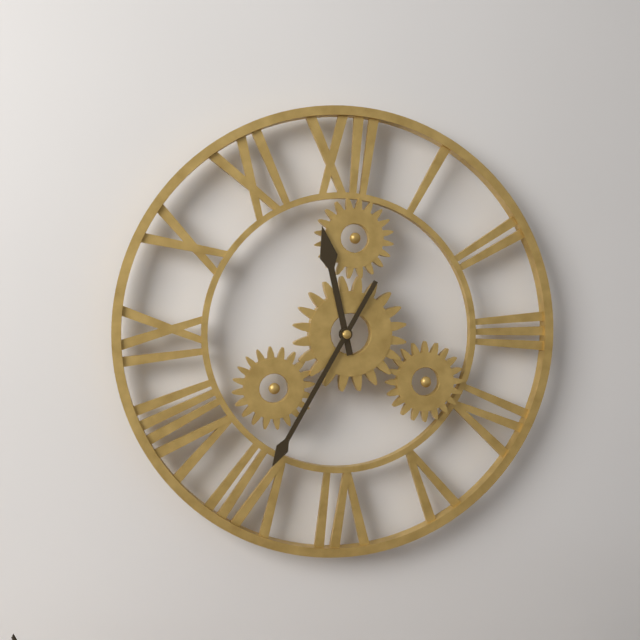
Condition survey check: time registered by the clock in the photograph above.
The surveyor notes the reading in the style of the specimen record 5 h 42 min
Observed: 11 h 35 min
